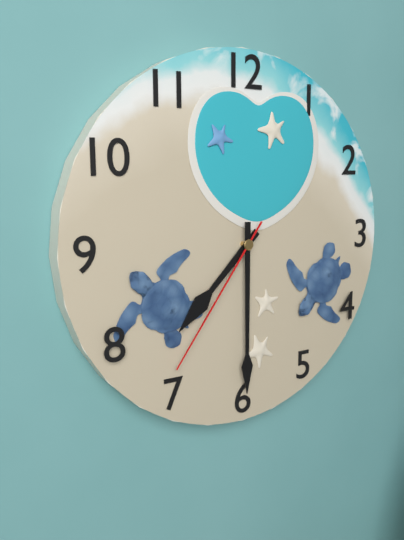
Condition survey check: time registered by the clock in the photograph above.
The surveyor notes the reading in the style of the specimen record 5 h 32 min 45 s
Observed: 7 h 30 min 36 s
